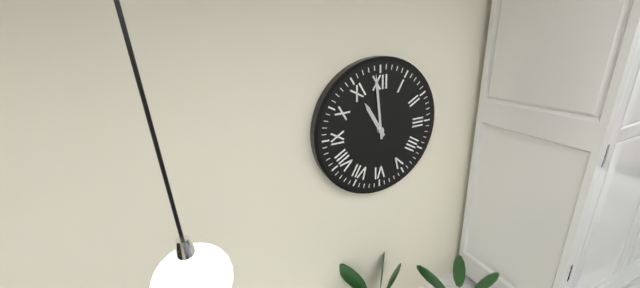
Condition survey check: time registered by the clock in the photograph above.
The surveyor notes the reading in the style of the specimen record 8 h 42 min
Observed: 10 h 59 min
